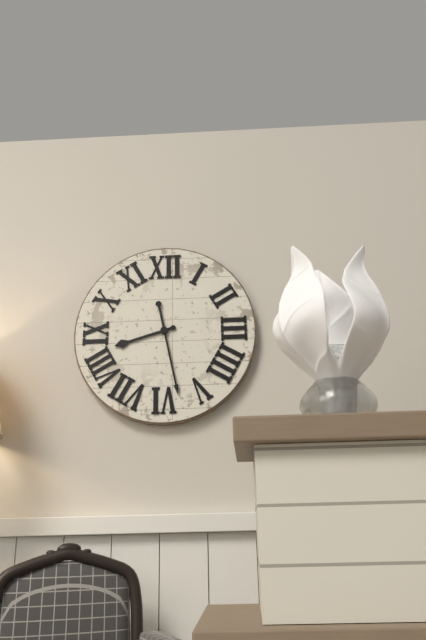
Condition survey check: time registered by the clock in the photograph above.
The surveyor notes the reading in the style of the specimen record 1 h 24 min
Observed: 8 h 28 min
